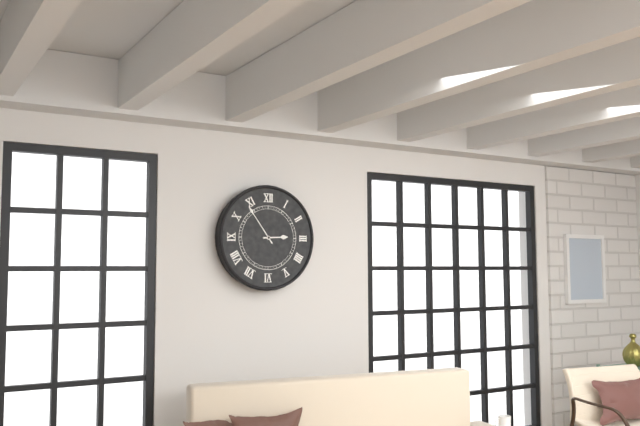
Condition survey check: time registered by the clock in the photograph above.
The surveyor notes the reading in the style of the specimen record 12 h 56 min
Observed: 2 h 54 min
